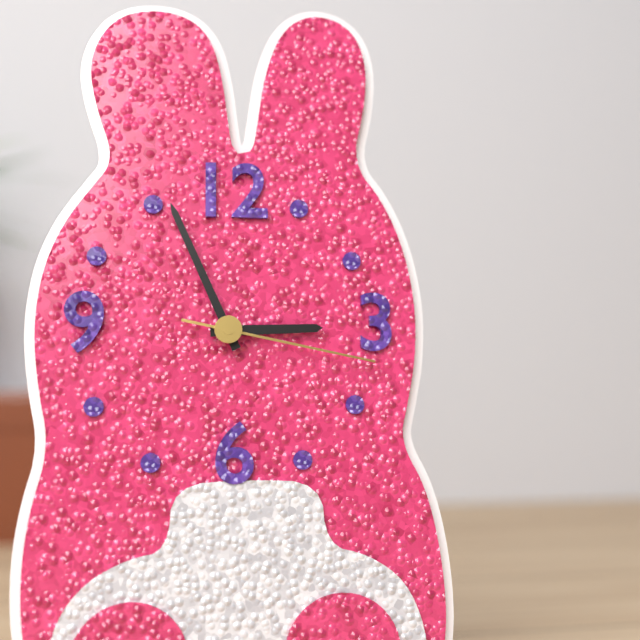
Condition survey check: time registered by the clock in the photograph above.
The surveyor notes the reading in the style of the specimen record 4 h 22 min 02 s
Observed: 2 h 56 min 17 s
